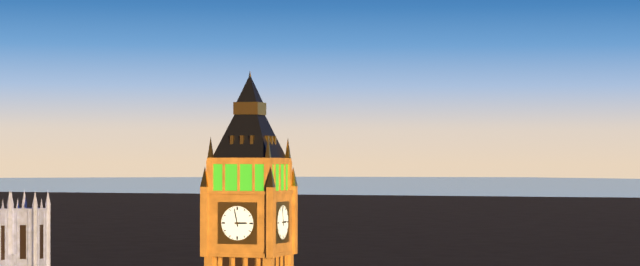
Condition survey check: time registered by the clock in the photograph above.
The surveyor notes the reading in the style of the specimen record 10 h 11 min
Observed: 2 h 58 min
